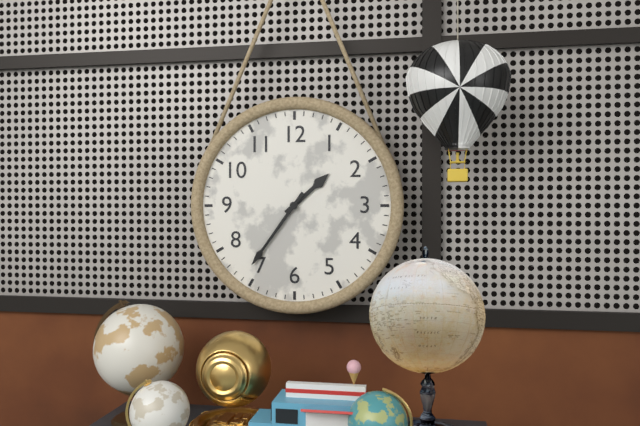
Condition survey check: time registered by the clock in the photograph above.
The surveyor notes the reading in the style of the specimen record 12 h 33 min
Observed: 1 h 36 min
